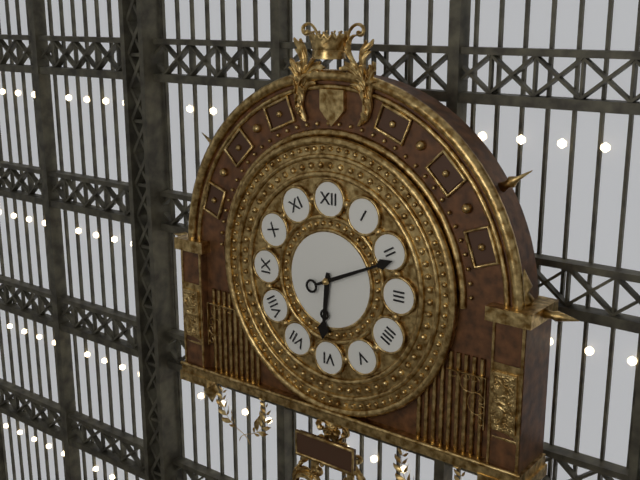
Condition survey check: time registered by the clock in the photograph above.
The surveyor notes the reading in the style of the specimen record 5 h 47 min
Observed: 6 h 11 min
